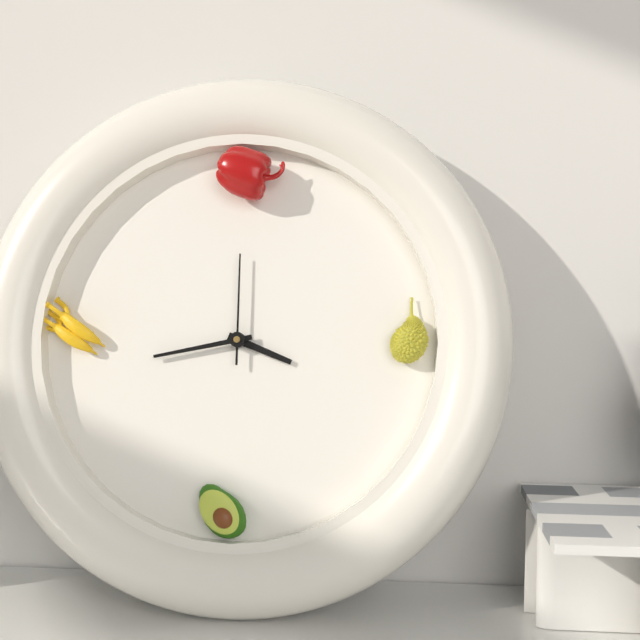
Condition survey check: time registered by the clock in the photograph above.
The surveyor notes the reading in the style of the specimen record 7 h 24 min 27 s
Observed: 3 h 43 min 00 s
